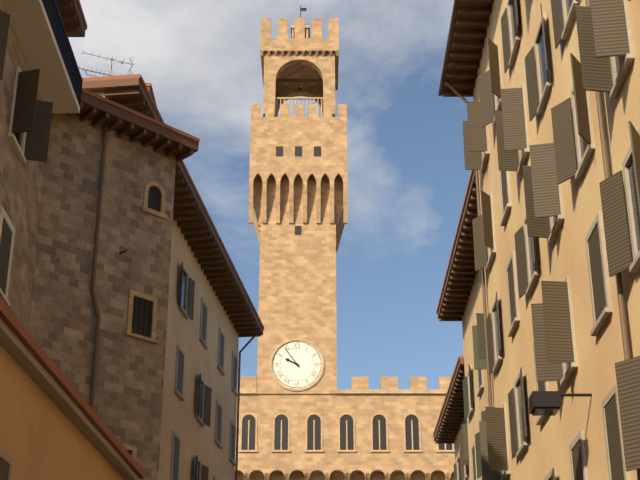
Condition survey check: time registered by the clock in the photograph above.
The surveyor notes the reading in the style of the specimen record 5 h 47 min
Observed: 9 h 54 min
